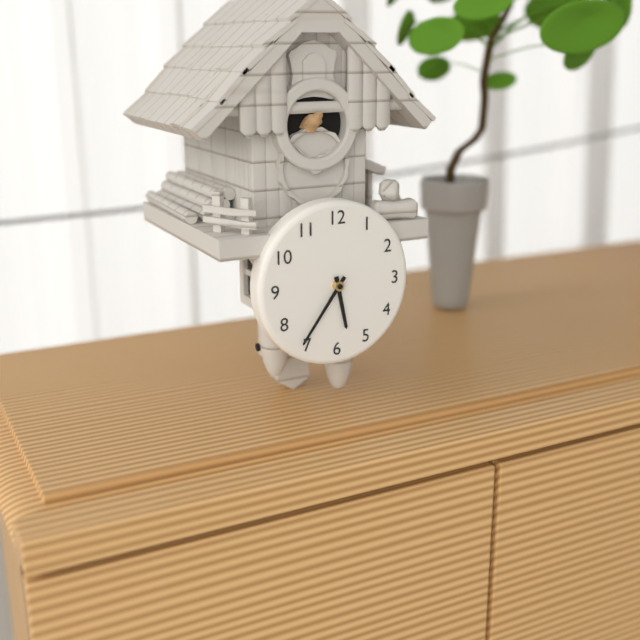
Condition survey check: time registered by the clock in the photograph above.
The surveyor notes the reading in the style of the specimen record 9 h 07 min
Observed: 5 h 36 min
